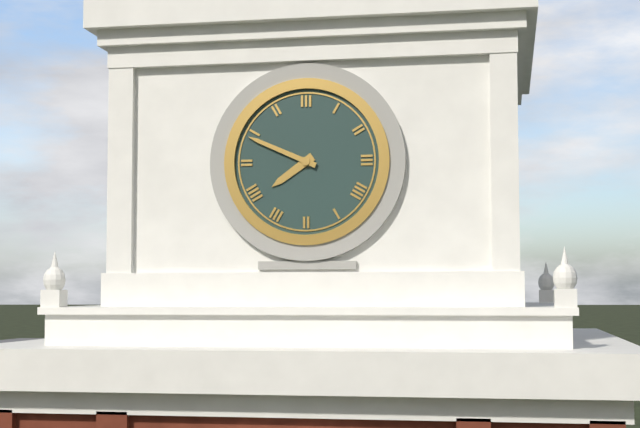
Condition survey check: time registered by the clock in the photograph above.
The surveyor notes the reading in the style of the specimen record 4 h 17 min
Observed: 7 h 49 min
